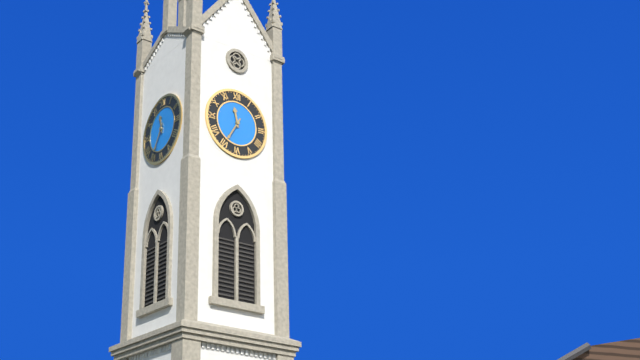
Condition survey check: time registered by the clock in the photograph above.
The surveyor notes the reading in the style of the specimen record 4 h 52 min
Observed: 11 h 35 min
